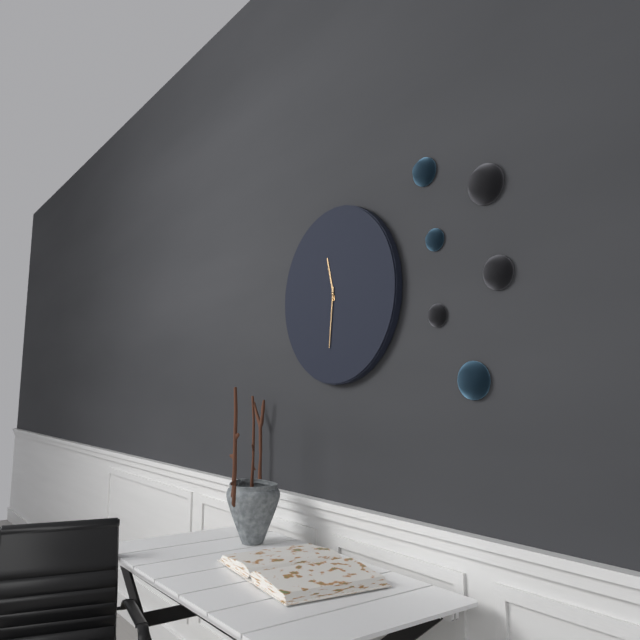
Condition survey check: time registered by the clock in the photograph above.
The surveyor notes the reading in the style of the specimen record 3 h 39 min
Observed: 11 h 31 min
